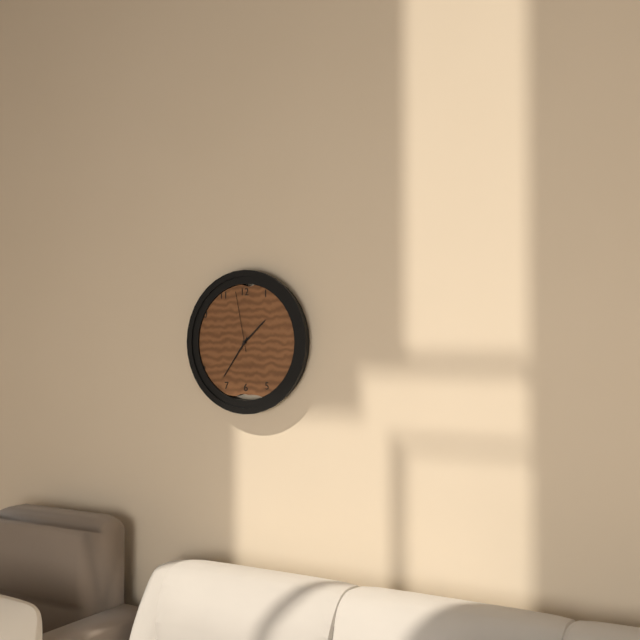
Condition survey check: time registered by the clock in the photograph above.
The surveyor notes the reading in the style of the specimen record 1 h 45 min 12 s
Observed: 1 h 36 min 58 s
